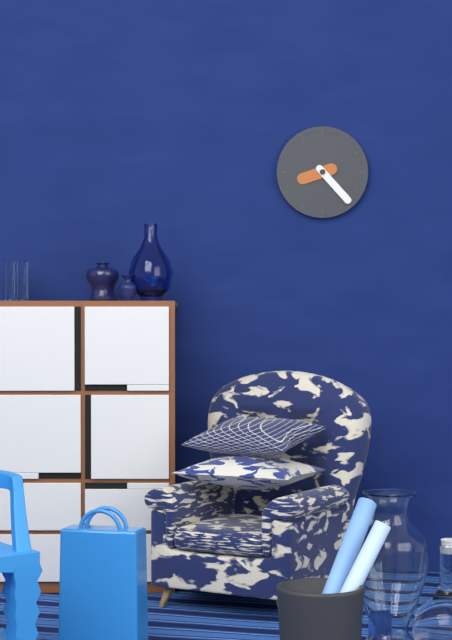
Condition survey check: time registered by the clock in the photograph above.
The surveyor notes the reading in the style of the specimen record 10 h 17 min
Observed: 8 h 23 min
